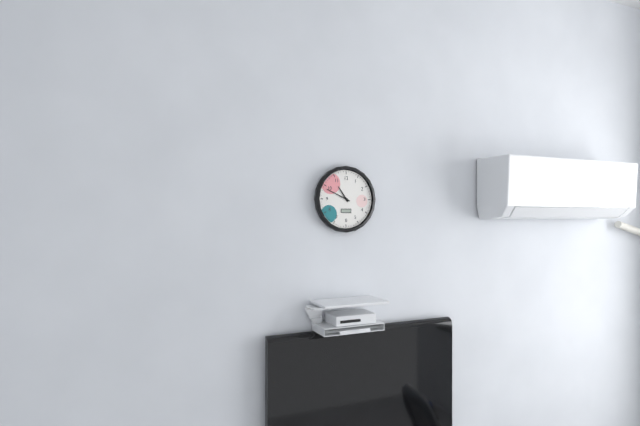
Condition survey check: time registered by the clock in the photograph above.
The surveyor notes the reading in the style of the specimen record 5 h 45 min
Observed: 10 h 49 min
